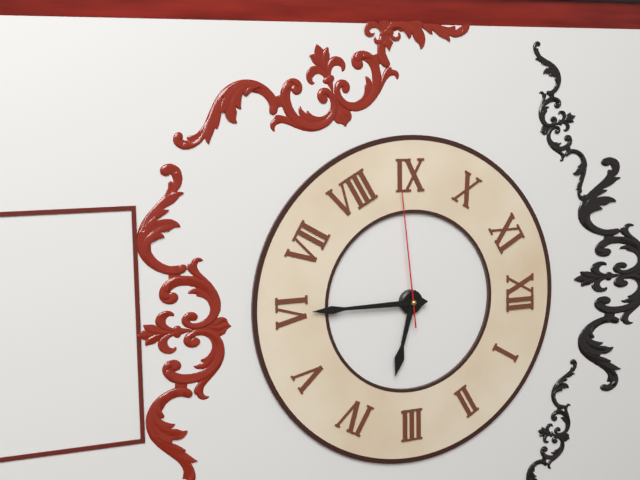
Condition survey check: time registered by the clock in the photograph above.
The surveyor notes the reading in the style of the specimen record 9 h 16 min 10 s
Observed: 3 h 30 min 44 s
